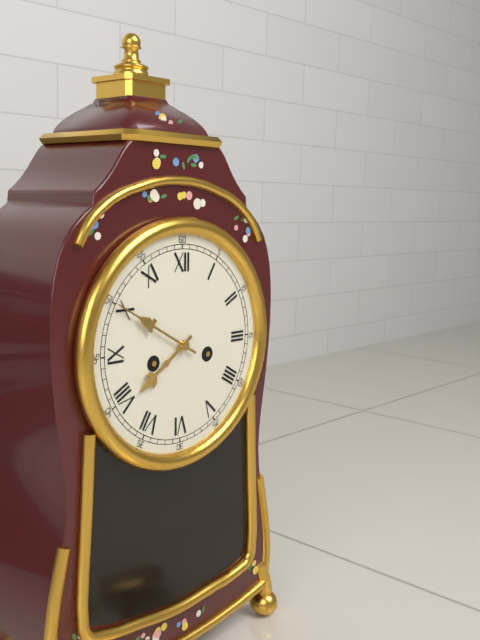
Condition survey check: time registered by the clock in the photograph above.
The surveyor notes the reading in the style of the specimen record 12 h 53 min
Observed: 7 h 50 min
